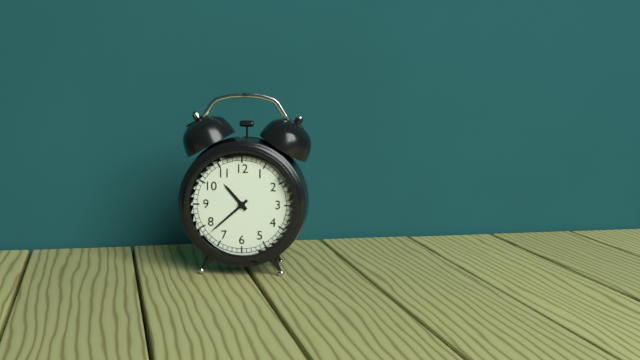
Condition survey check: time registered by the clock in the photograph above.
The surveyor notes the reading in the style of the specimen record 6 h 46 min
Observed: 10 h 38 min
